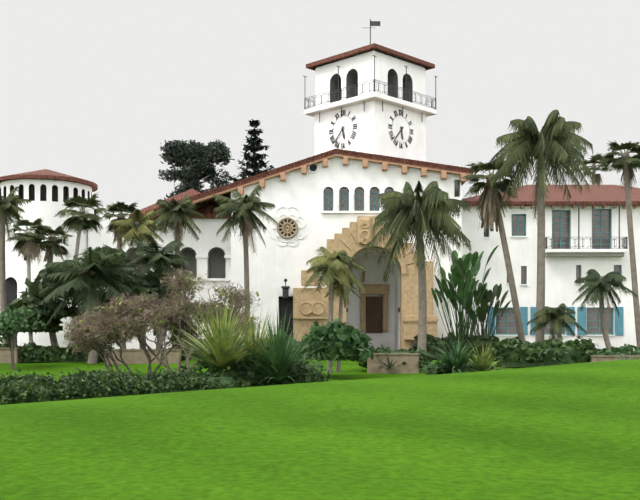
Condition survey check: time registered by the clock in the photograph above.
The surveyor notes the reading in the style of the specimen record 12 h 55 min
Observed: 5 h 37 min
